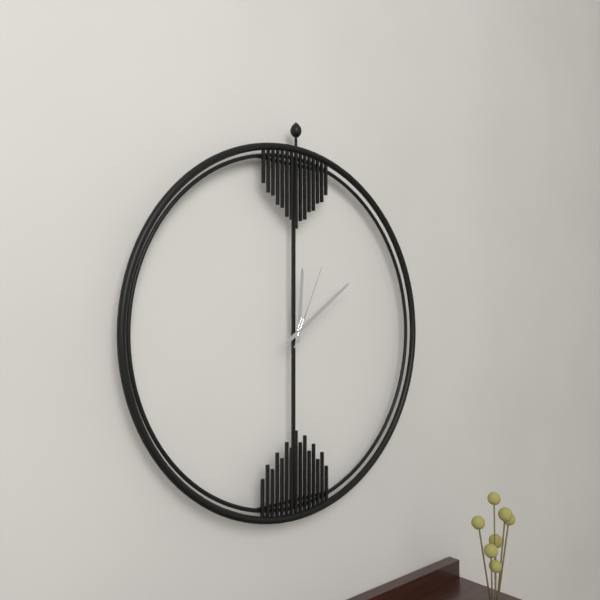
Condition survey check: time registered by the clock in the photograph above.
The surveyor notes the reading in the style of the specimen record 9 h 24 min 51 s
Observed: 12 h 09 min 04 s
